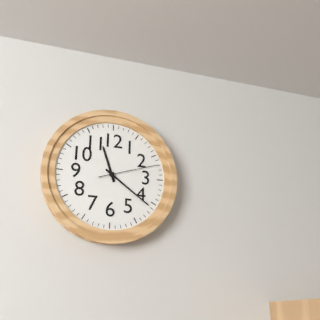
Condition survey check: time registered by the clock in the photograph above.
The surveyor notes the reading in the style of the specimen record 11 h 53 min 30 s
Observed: 11 h 21 min 12 s
